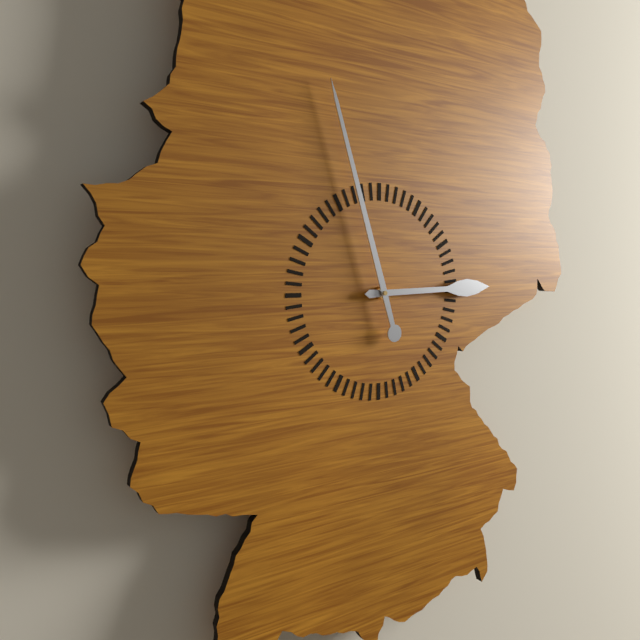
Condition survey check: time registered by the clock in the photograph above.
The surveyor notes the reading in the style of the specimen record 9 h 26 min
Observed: 2 h 57 min
